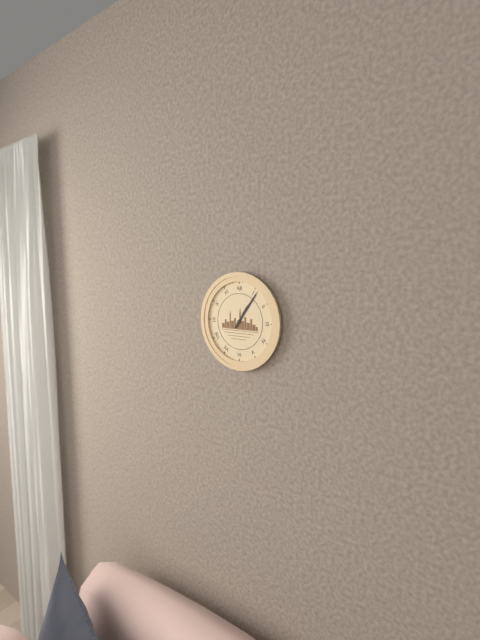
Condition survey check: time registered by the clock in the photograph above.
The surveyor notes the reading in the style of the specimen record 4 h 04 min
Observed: 1 h 06 min
